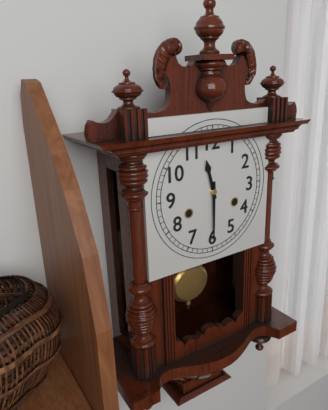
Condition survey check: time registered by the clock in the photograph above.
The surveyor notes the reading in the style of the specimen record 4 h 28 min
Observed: 11 h 30 min
